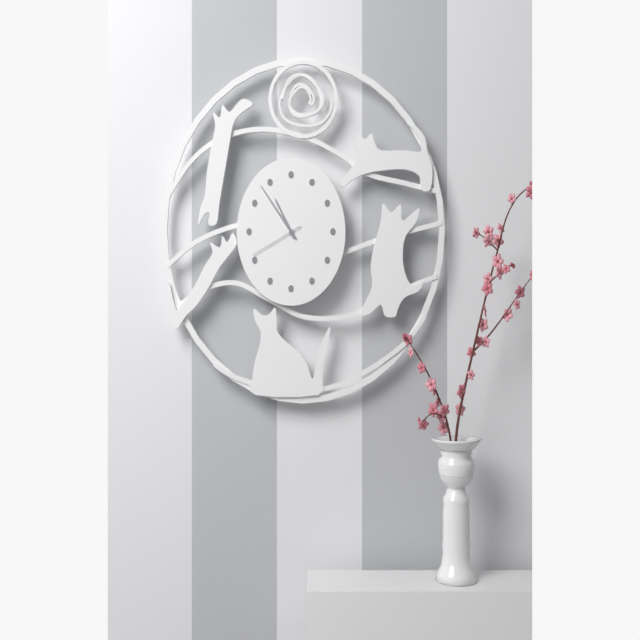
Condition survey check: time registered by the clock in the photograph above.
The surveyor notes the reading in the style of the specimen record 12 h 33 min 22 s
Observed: 10 h 53 min 41 s
